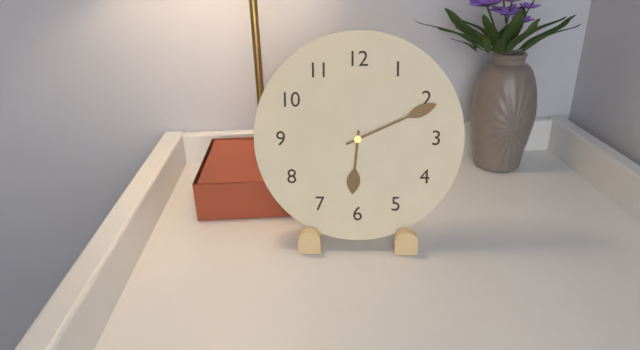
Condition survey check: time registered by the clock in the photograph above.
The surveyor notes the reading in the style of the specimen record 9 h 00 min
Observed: 6 h 11 min
